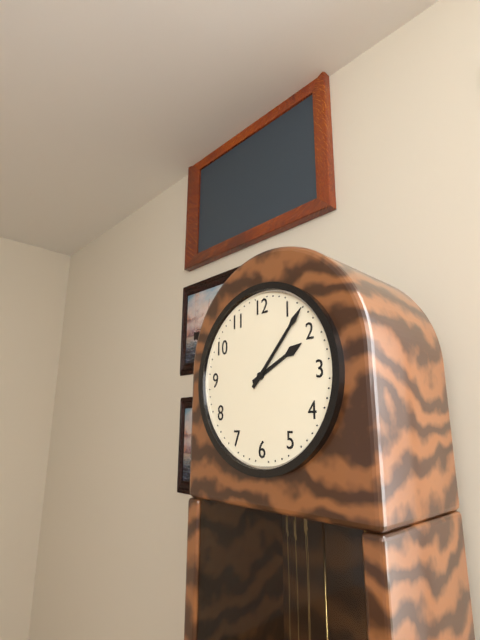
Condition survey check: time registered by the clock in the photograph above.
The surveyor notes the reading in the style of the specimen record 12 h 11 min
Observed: 2 h 07 min
